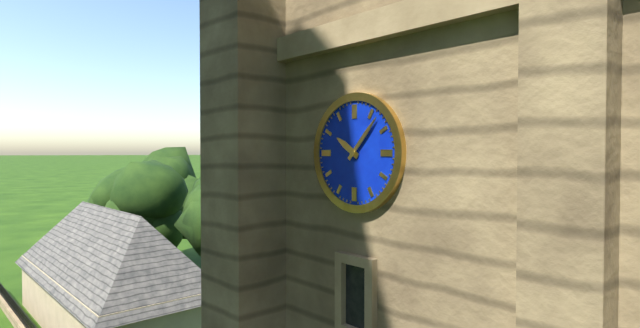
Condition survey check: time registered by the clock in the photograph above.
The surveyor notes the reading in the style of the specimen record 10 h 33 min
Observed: 10 h 07 min
